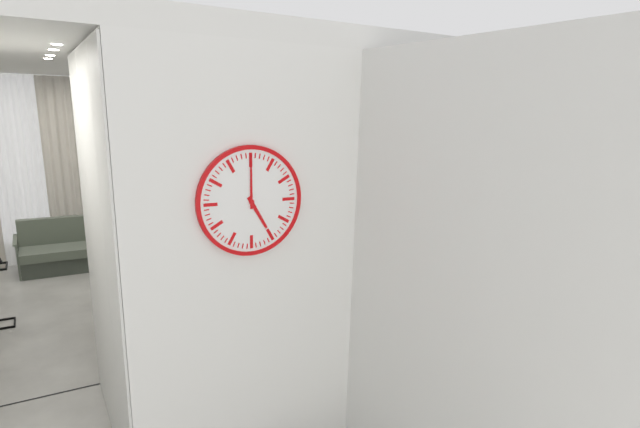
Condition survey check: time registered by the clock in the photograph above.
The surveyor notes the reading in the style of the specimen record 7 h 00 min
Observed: 5 h 00 min
